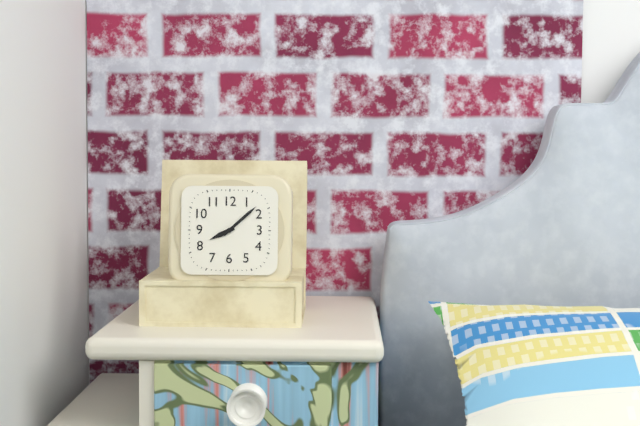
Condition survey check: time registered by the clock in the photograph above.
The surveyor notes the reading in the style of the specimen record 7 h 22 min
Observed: 8 h 08 min
